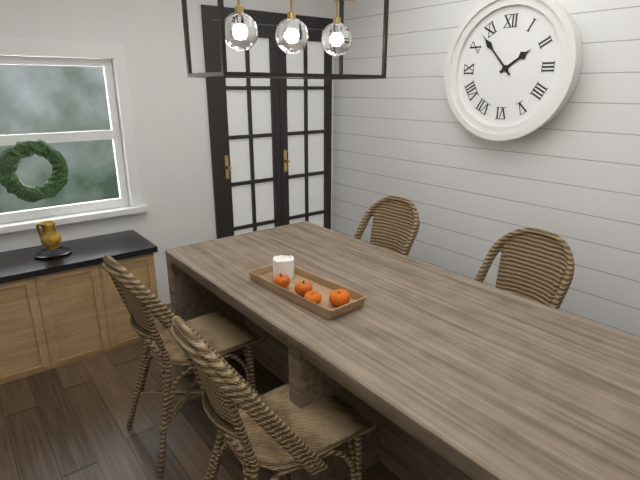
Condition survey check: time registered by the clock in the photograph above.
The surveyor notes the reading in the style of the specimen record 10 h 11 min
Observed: 1 h 53 min
